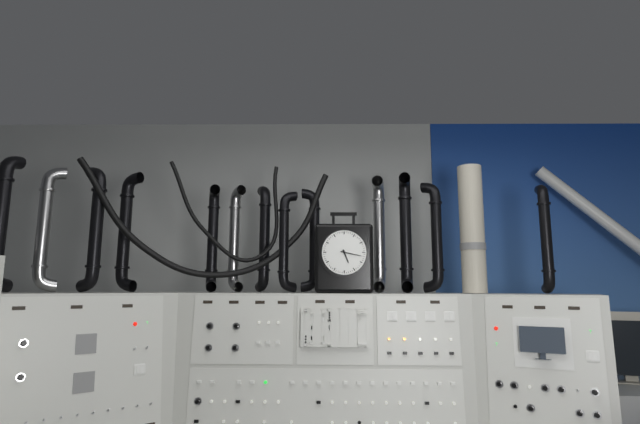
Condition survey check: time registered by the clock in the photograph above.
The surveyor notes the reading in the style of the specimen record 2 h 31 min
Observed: 5 h 17 min
